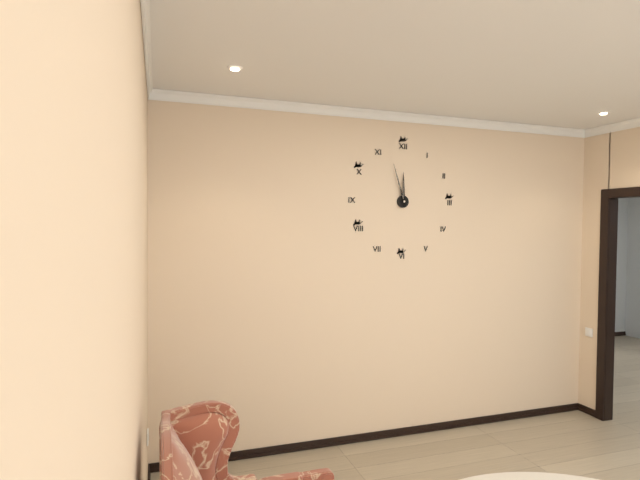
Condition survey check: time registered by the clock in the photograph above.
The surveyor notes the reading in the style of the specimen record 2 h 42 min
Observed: 11 h 57 min
